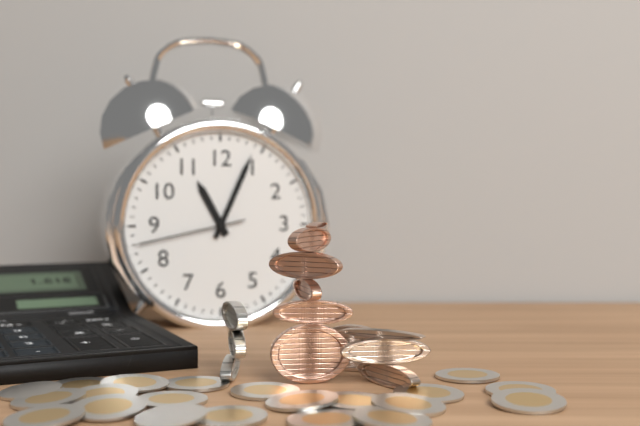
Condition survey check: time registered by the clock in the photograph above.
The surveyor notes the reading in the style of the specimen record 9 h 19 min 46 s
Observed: 11 h 04 min 43 s
